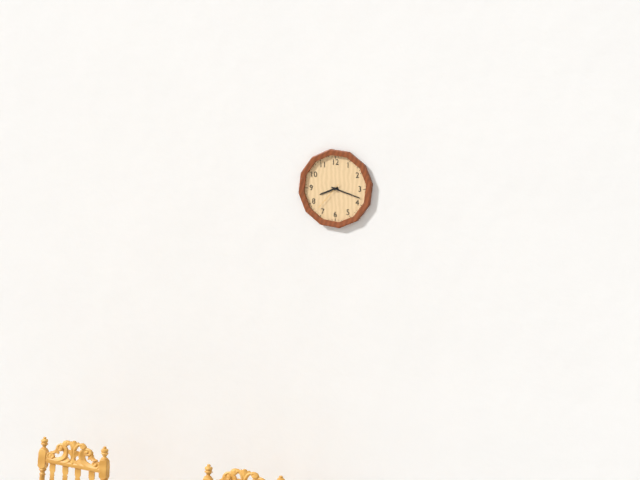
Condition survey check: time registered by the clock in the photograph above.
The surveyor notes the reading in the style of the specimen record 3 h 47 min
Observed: 8 h 18 min
